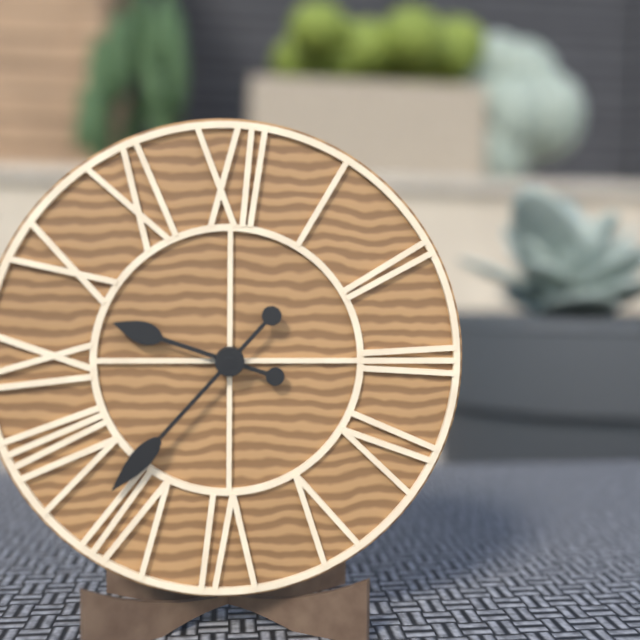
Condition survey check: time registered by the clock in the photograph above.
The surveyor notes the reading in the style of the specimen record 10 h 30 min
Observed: 9 h 37 min
